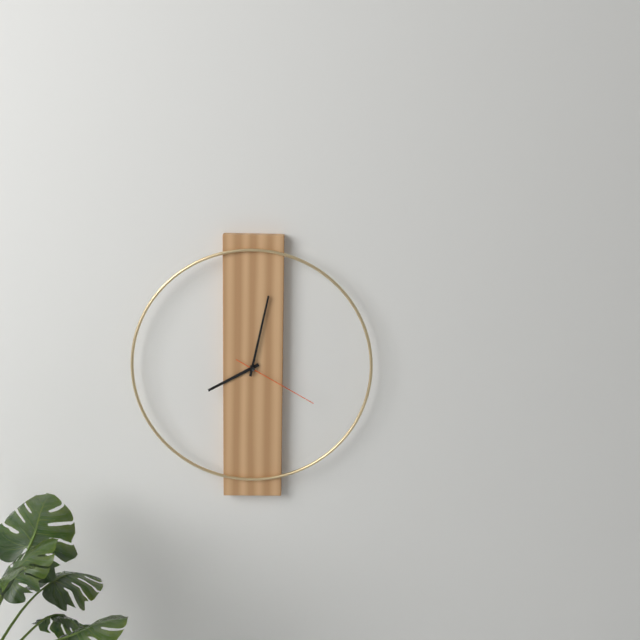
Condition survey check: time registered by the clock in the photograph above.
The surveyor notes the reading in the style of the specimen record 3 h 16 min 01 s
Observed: 8 h 02 min 20 s
